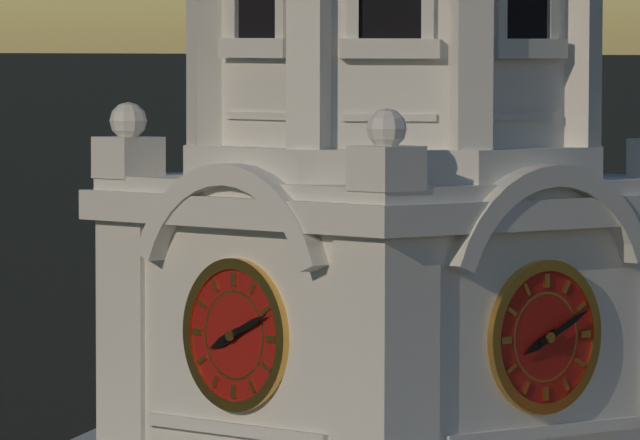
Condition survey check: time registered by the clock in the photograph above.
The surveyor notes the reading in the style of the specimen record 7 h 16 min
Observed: 8 h 11 min
